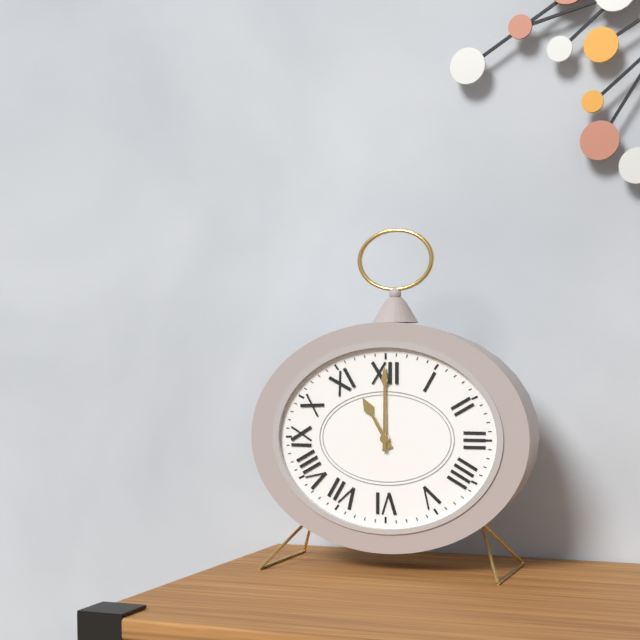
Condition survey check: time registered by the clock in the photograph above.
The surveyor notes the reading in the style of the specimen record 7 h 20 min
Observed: 11 h 00 min
